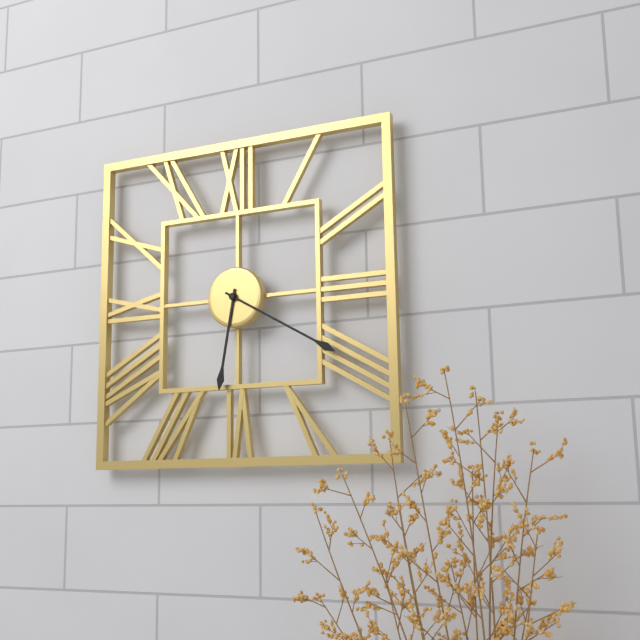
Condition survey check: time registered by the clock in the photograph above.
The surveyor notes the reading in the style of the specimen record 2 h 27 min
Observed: 6 h 20 min
